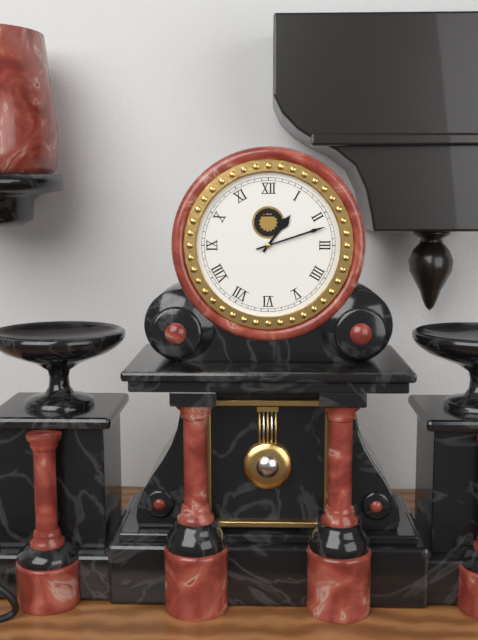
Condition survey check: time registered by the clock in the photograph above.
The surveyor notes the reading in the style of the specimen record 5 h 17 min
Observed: 1 h 12 min
